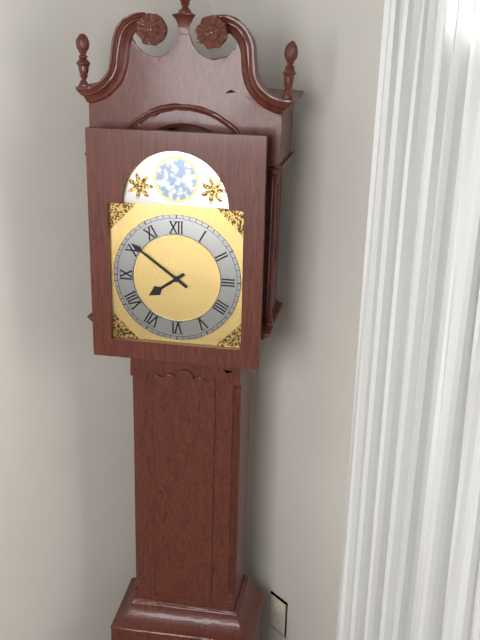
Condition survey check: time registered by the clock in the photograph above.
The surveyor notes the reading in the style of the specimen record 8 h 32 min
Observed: 7 h 51 min
